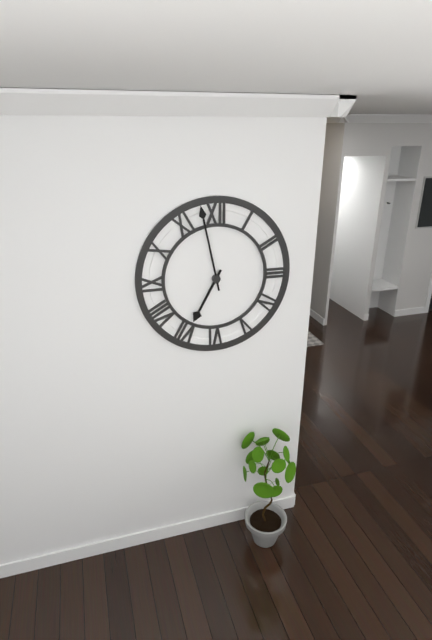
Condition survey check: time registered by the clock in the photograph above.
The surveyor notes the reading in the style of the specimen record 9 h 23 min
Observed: 6 h 58 min
